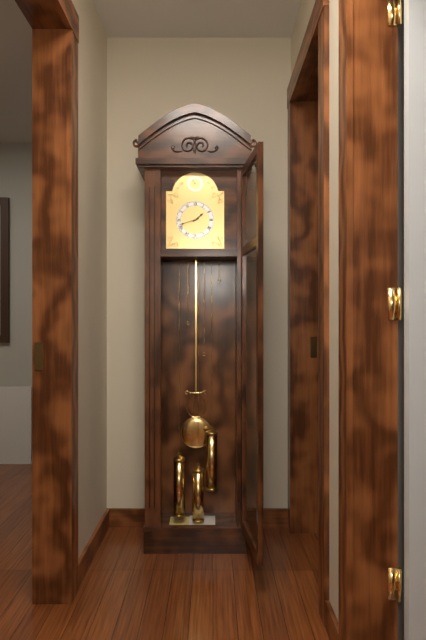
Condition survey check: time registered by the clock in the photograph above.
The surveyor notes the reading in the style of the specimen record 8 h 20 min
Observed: 1 h 42 min
